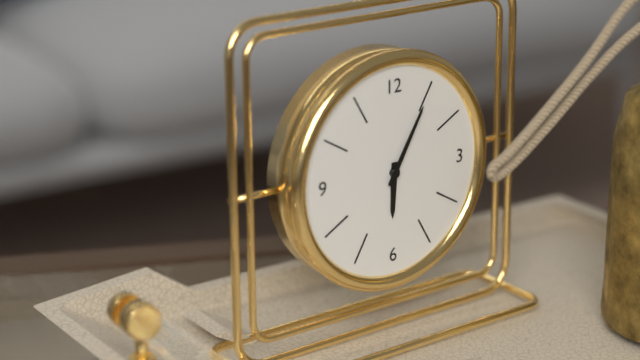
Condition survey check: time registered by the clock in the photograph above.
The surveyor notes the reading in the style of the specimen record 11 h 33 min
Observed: 6 h 05 min
